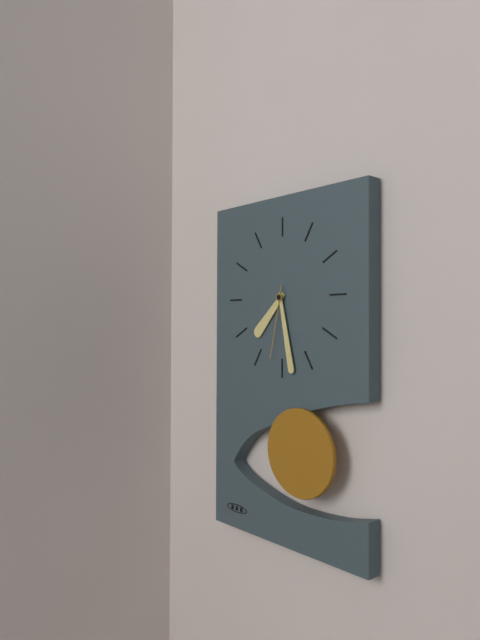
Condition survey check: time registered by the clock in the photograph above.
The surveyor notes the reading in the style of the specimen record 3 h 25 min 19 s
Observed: 7 h 28 min 32 s
